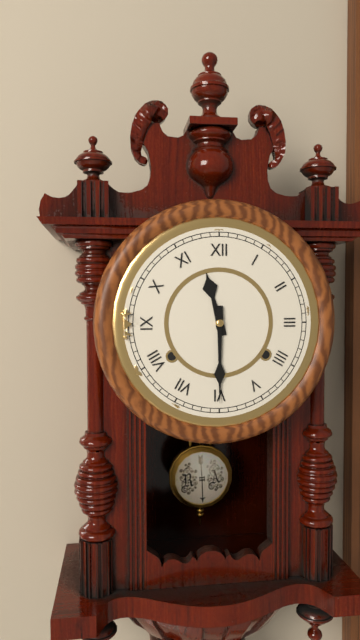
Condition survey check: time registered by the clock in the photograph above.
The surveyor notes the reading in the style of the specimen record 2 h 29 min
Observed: 11 h 30 min
